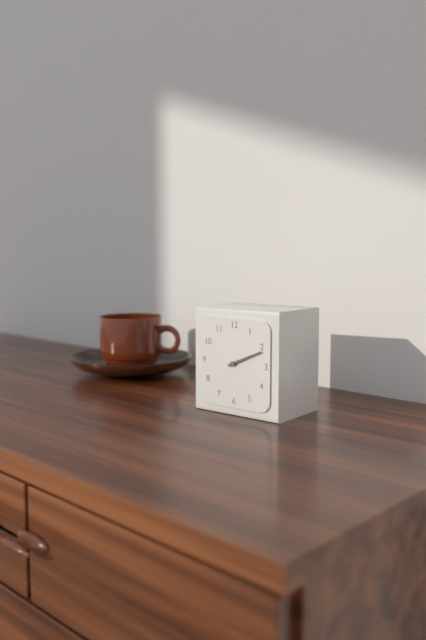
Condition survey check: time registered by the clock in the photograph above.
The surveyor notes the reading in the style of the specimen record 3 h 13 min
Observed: 2 h 11 min
